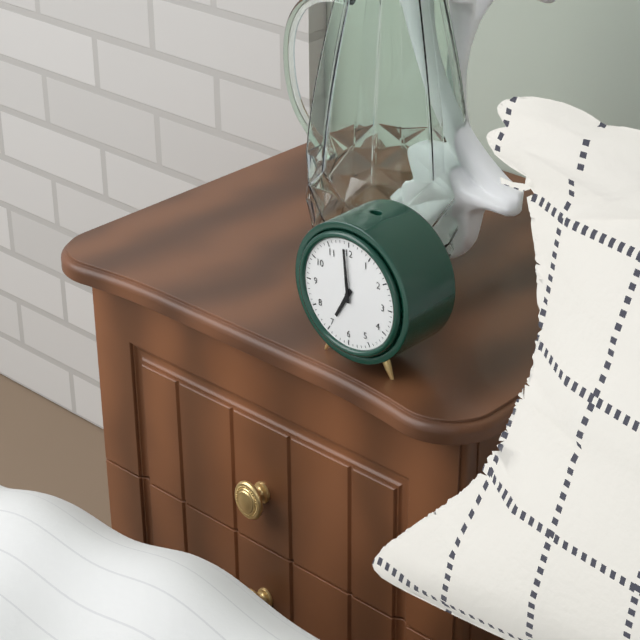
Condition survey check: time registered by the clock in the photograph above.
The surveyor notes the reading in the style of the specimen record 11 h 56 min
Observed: 6 h 59 min
